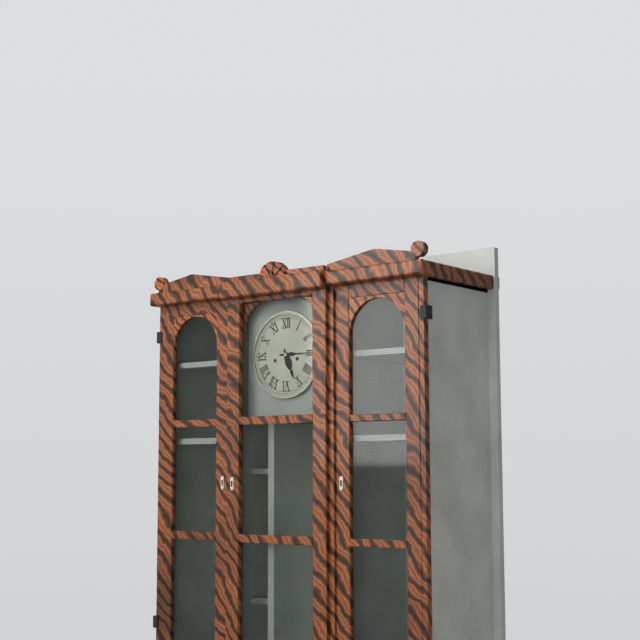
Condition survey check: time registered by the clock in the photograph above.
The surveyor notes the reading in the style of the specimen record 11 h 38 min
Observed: 5 h 15 min
